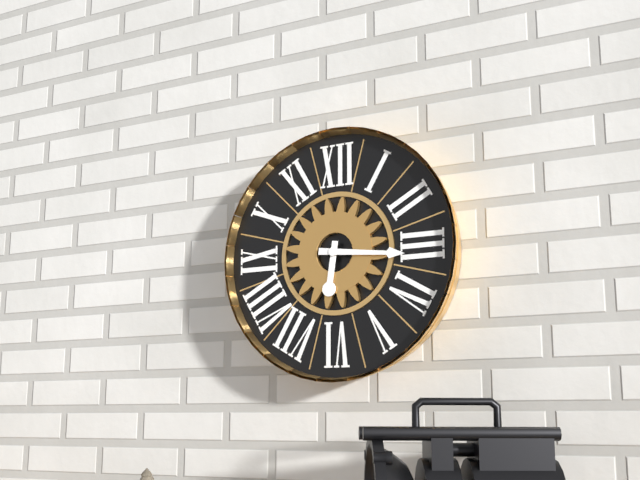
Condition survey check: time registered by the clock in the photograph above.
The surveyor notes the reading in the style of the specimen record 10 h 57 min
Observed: 6 h 16 min
